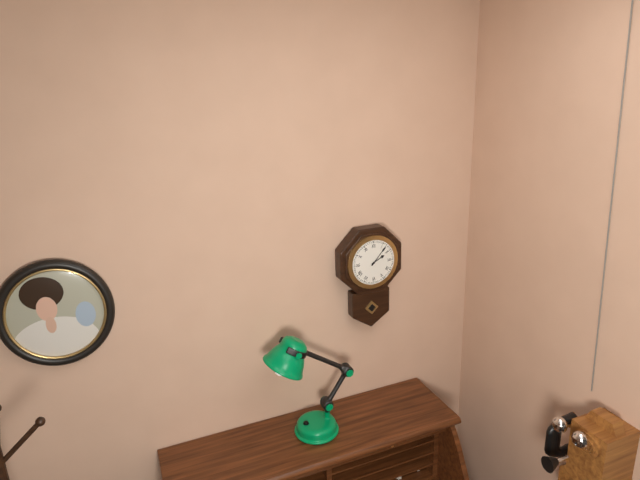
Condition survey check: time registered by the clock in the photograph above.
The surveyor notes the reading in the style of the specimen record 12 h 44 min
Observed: 2 h 07 min
